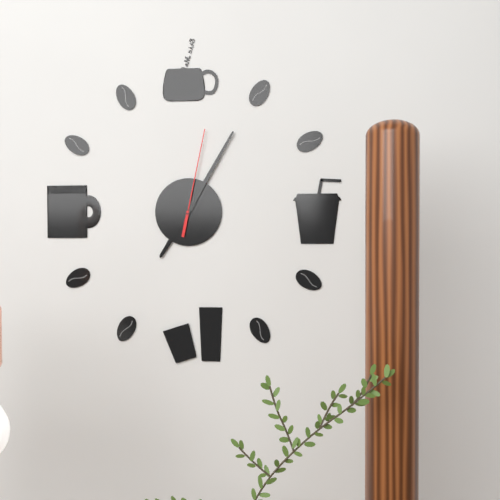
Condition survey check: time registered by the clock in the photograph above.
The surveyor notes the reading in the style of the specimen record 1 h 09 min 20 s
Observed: 7 h 05 min 02 s
